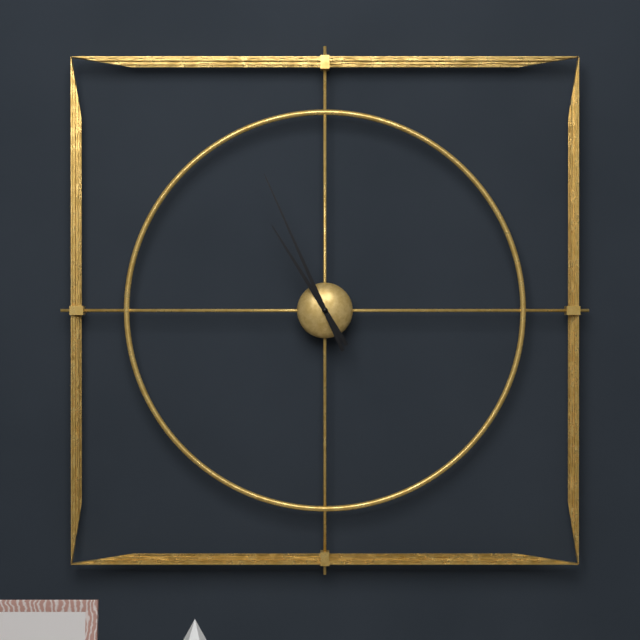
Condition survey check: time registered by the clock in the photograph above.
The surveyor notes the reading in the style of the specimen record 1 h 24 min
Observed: 10 h 56 min
